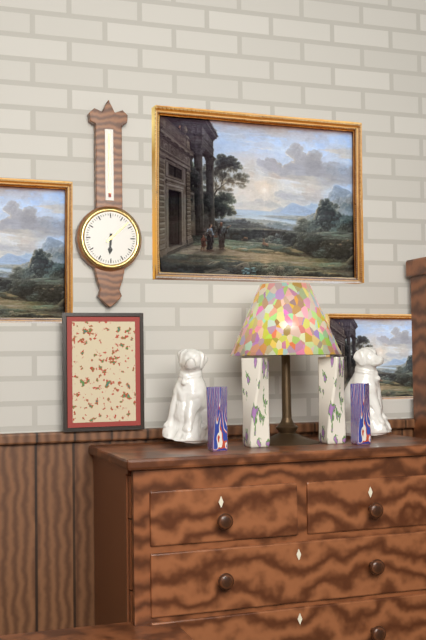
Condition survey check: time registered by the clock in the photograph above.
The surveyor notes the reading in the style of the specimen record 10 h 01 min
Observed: 6 h 08 min
